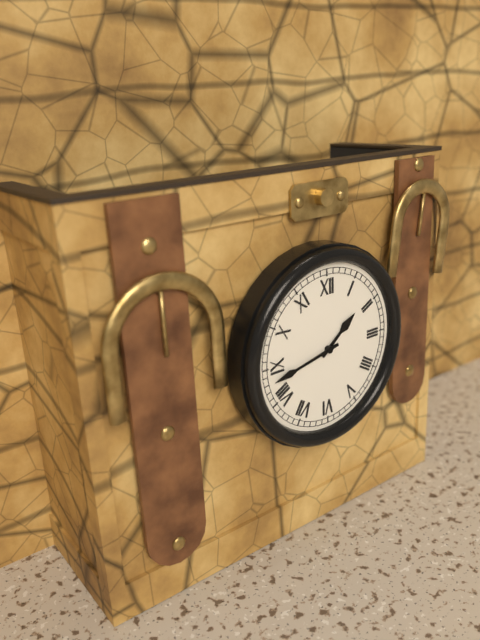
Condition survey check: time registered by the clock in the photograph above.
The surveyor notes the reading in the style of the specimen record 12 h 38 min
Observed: 1 h 43 min
